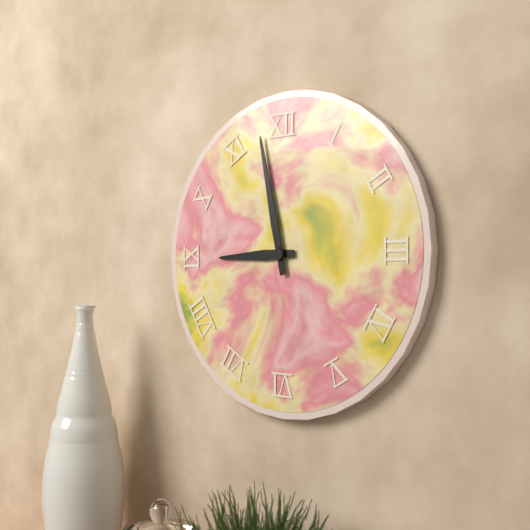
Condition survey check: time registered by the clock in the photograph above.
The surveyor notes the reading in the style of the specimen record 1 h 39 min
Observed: 8 h 58 min
